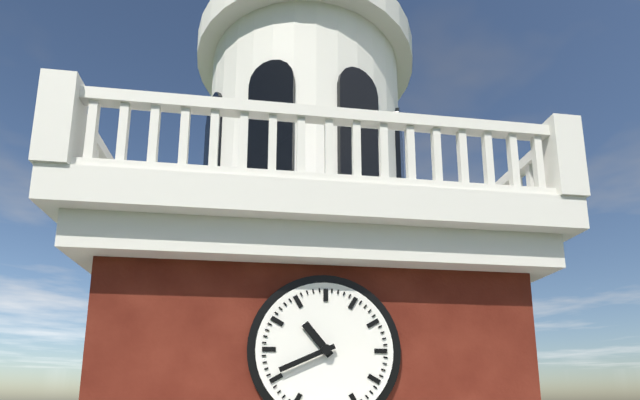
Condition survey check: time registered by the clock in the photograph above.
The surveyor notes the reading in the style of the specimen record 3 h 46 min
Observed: 10 h 41 min
